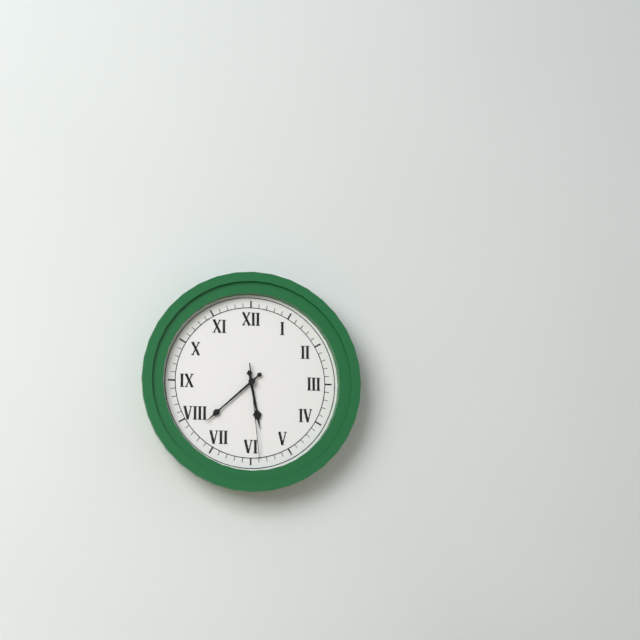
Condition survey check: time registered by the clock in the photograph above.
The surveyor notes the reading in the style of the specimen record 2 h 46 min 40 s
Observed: 5 h 38 min 29 s
